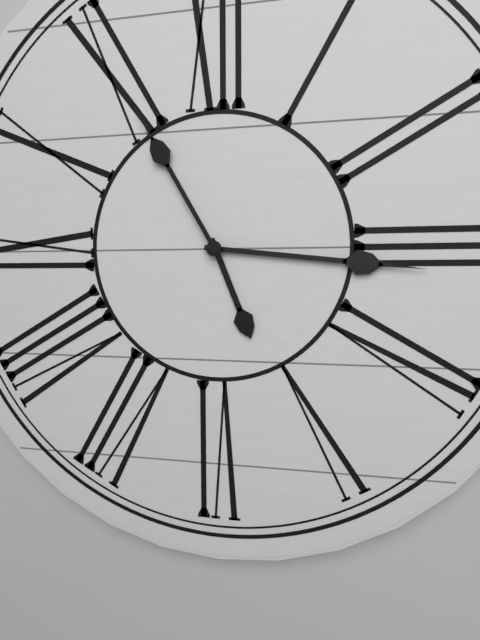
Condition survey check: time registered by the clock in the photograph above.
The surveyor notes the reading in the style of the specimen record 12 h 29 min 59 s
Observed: 5 h 16 min 55 s
